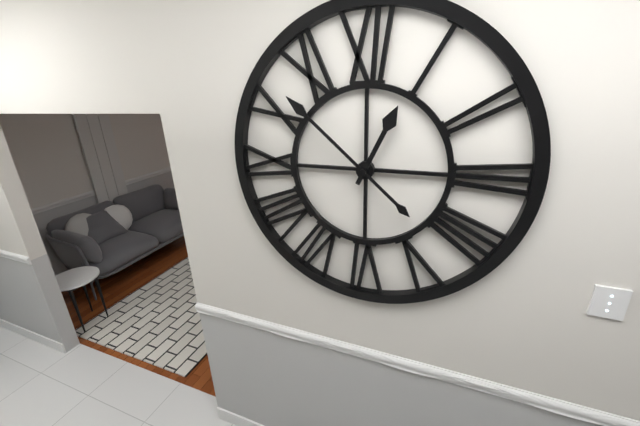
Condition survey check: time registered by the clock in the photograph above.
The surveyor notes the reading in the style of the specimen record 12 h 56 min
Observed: 12 h 52 min
